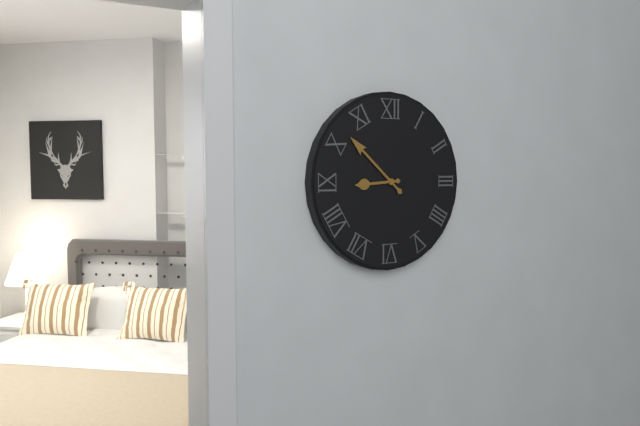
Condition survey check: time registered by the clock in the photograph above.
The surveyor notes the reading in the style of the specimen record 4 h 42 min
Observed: 8 h 52 min
